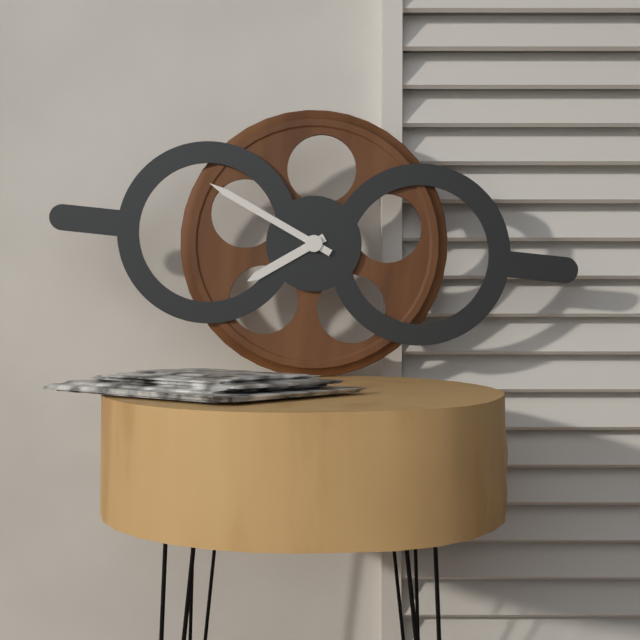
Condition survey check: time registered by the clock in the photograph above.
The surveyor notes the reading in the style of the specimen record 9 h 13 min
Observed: 7 h 49 min
